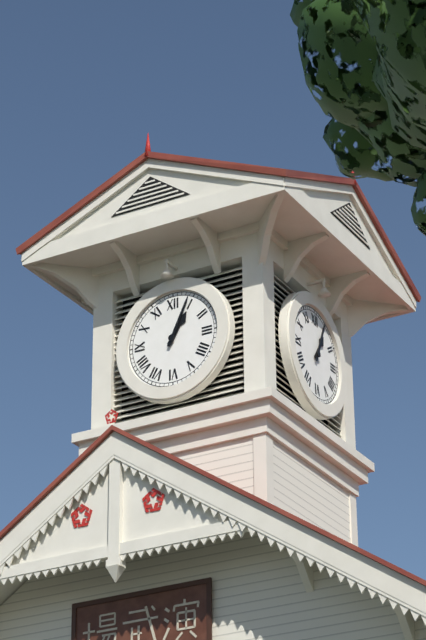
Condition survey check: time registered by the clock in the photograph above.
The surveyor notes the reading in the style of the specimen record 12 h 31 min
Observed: 1 h 04 min
